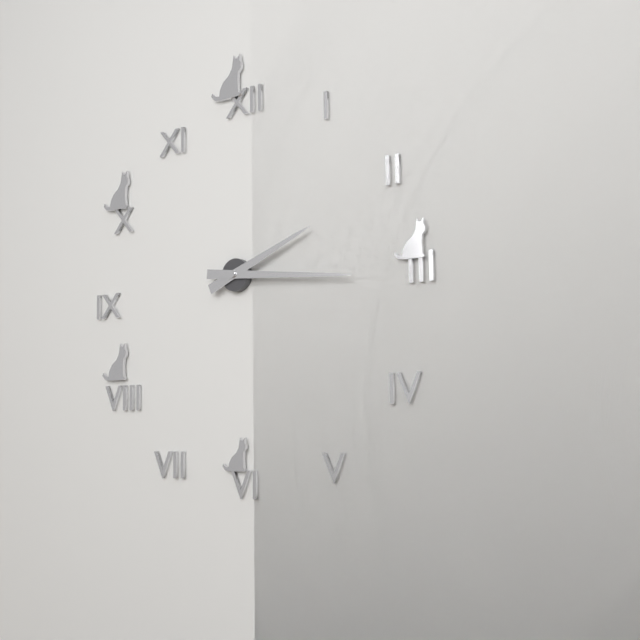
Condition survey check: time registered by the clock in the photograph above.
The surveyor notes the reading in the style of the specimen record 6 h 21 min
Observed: 2 h 16 min
